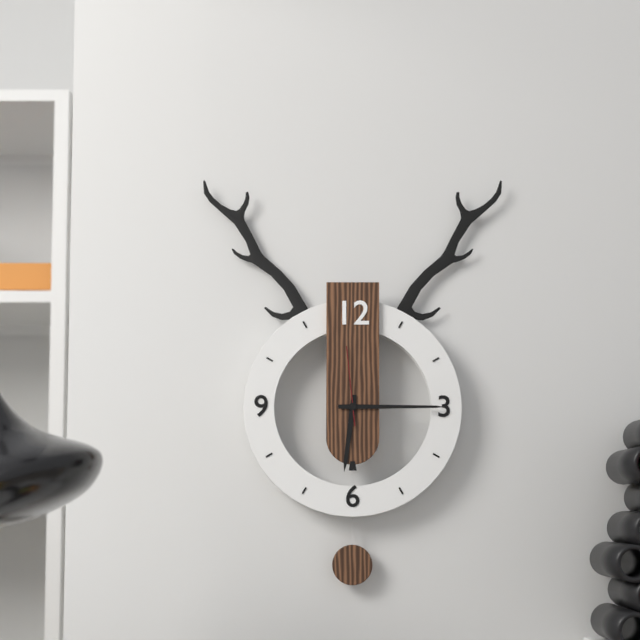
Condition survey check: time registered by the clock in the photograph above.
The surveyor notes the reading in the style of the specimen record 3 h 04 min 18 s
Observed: 6 h 15 min 59 s
